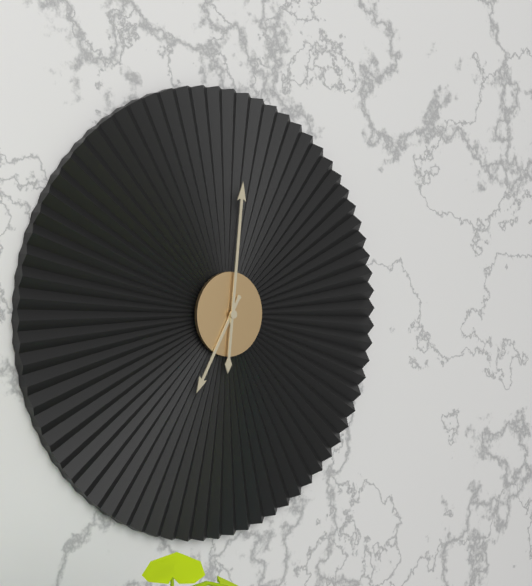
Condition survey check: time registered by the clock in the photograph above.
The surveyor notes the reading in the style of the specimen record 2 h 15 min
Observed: 7 h 01 min
